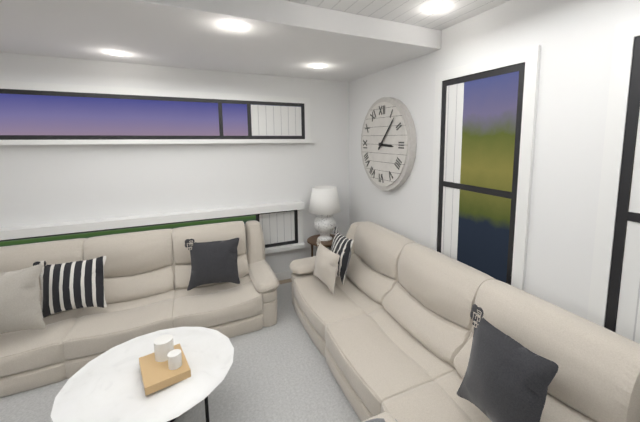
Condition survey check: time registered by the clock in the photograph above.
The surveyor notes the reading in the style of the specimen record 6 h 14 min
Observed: 3 h 07 min
